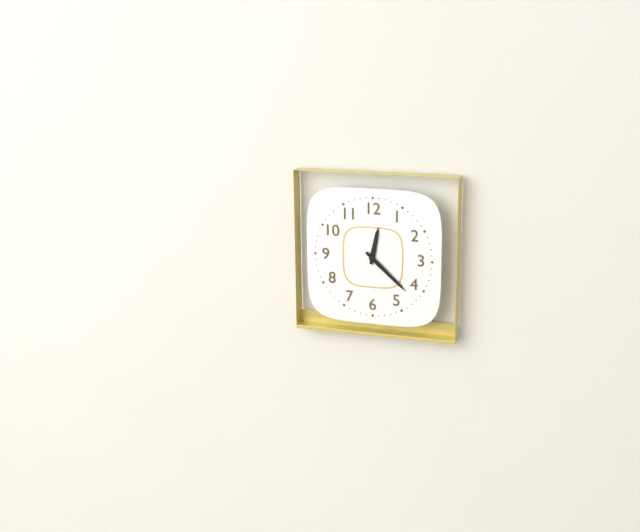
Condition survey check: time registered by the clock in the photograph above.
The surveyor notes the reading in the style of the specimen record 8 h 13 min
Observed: 12 h 22 min
